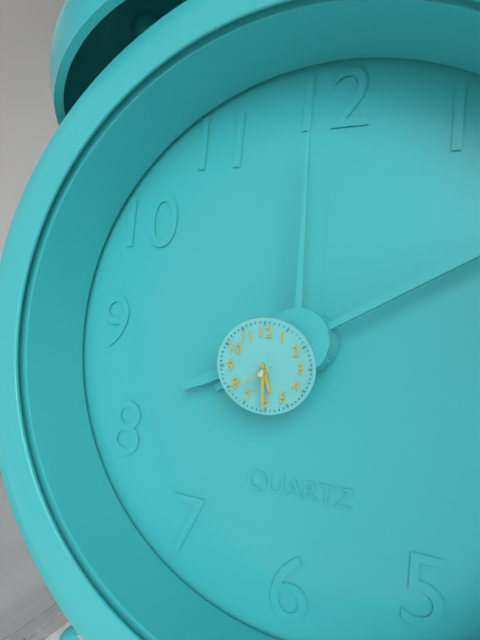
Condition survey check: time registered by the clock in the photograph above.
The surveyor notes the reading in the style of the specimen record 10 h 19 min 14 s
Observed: 5 h 30 min 40 s
